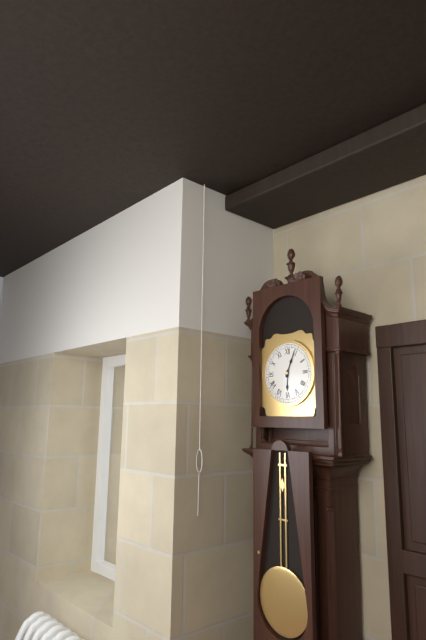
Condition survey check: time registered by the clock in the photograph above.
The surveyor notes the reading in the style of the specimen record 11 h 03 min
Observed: 6 h 04 min
